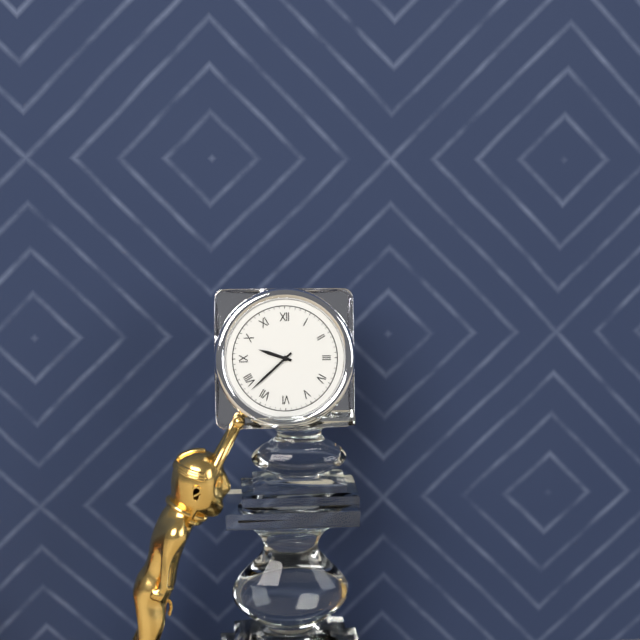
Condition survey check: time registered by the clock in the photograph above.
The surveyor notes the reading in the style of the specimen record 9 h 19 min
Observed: 9 h 38 min
